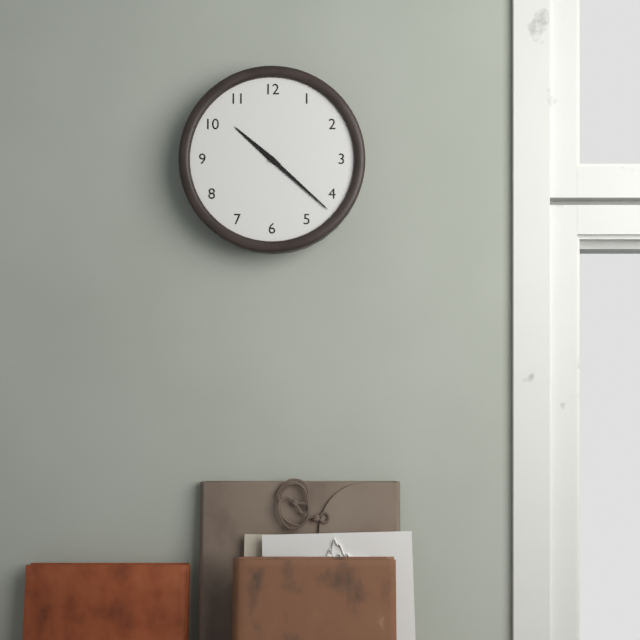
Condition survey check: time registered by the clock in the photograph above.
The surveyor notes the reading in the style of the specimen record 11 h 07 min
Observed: 10 h 22 min
